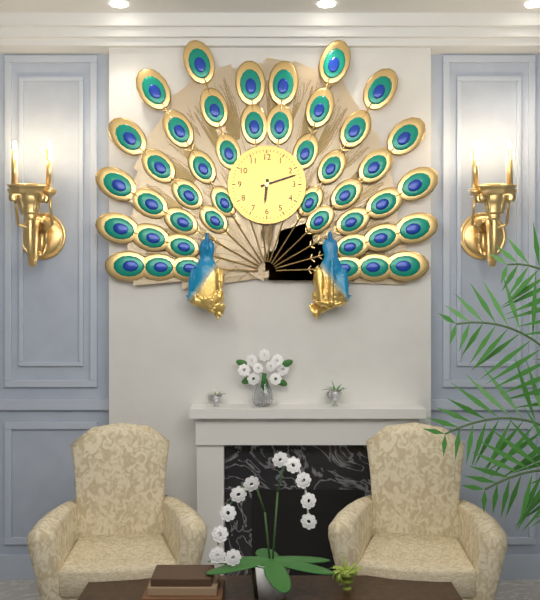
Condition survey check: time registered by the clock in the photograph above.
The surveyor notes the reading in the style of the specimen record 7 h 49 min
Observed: 6 h 12 min
